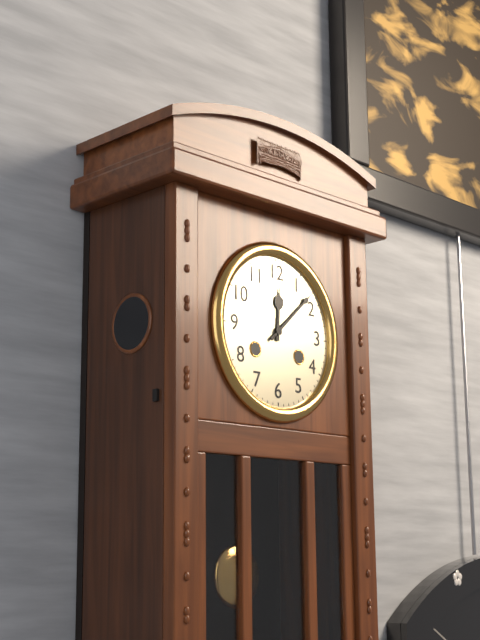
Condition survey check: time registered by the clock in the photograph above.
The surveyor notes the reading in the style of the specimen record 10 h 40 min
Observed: 12 h 08 min
